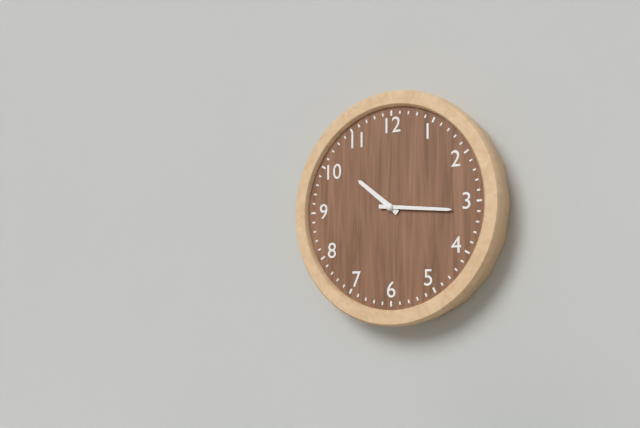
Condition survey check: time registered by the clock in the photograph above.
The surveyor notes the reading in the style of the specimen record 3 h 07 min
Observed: 10 h 16 min
